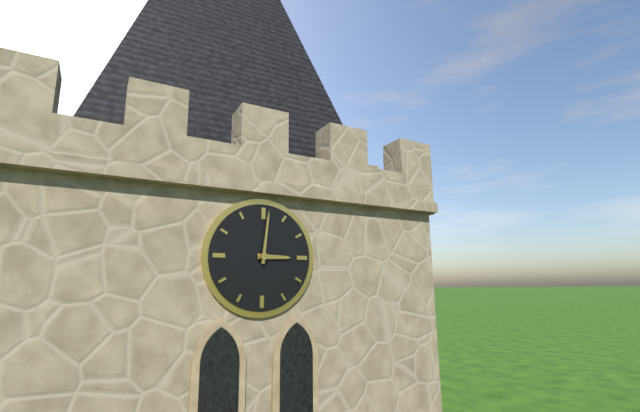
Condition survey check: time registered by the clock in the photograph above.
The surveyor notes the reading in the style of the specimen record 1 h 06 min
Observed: 3 h 01 min
